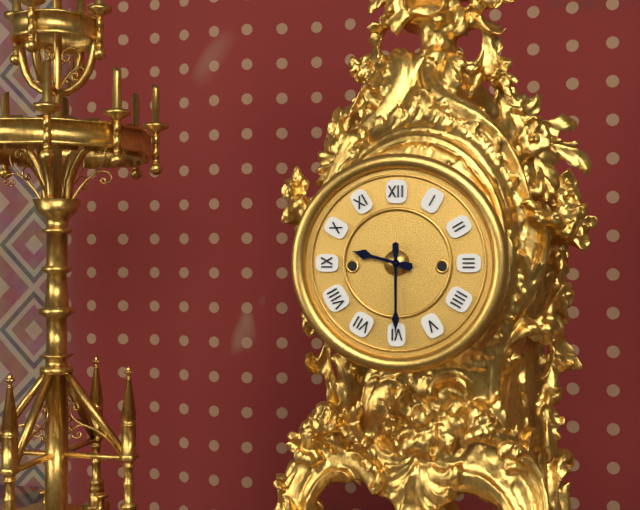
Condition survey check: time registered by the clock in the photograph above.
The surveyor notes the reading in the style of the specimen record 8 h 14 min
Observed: 9 h 30 min
